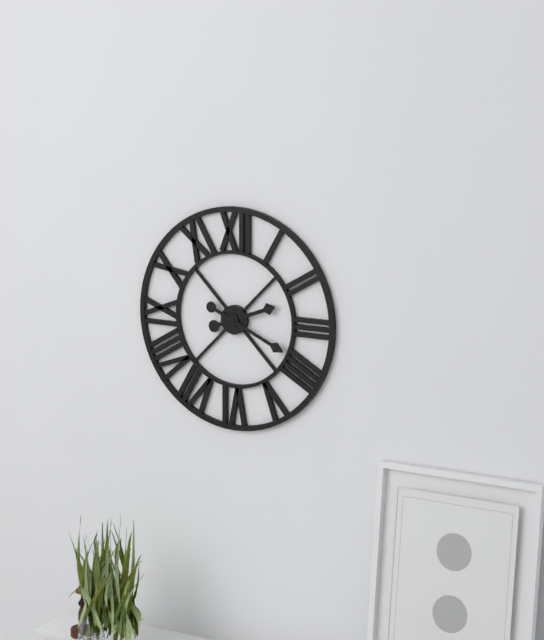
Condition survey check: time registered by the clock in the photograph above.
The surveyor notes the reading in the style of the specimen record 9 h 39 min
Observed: 2 h 19 min
